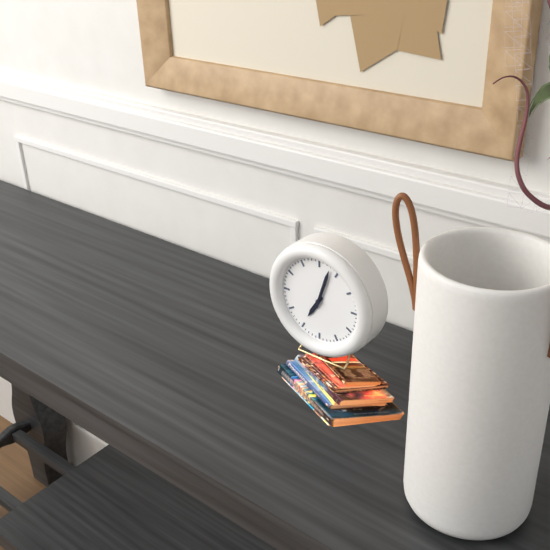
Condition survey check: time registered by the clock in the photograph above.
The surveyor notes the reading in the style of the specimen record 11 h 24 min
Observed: 7 h 03 min
